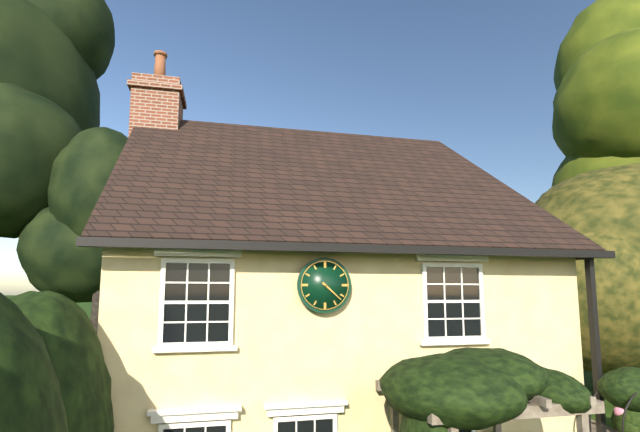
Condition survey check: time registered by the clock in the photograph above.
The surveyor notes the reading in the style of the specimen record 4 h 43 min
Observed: 4 h 22 min
